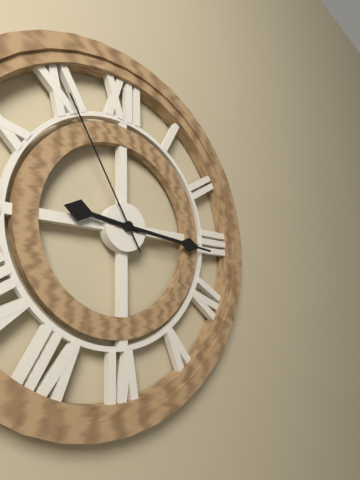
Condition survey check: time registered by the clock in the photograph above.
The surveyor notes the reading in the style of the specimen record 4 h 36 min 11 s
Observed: 9 h 16 min 55 s
